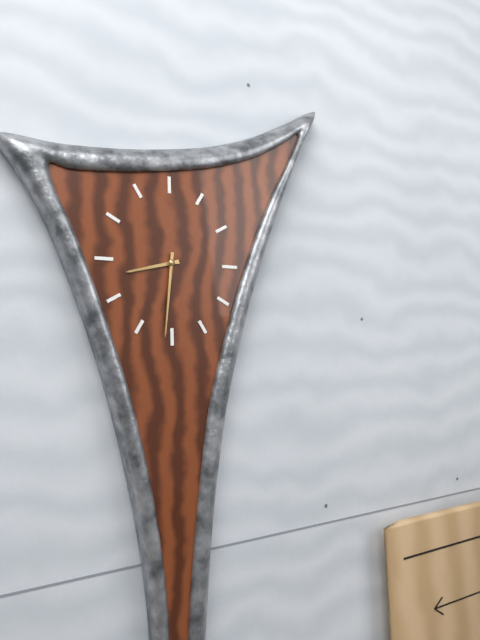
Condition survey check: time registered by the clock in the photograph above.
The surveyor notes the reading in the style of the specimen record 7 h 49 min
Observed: 8 h 31 min
